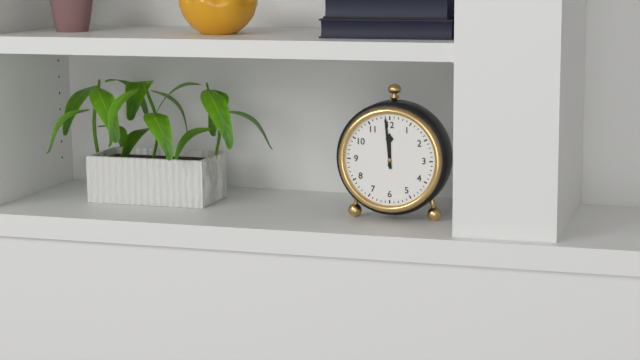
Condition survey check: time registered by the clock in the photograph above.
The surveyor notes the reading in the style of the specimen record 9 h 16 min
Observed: 11 h 59 min
